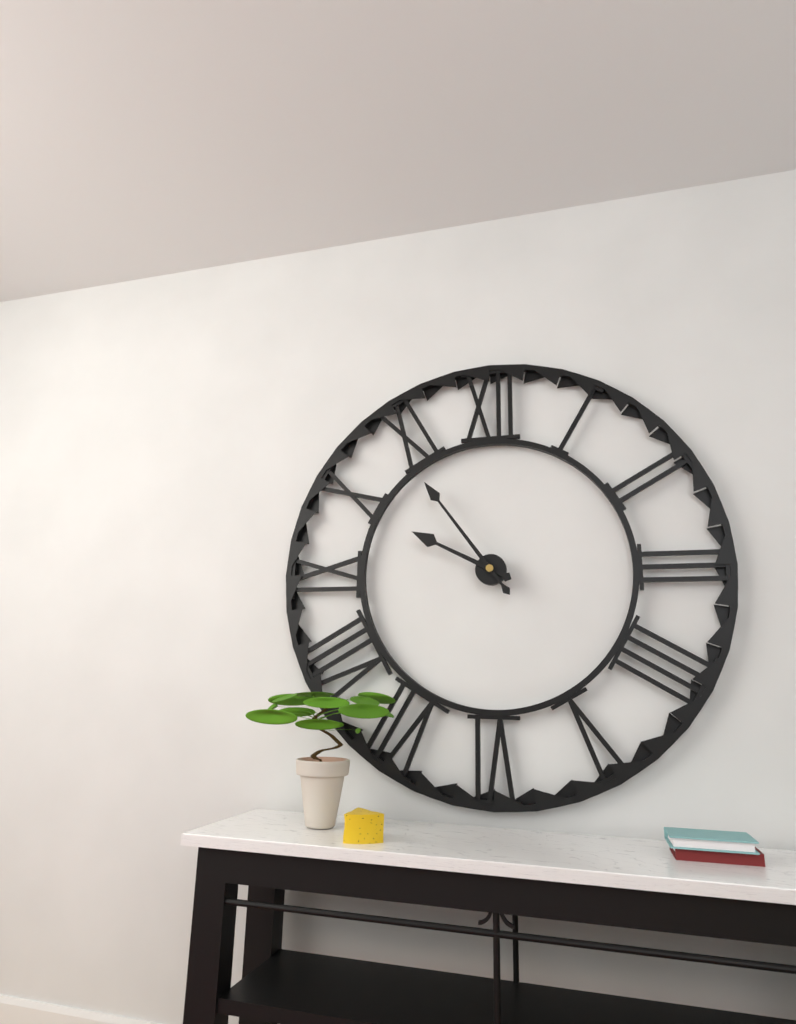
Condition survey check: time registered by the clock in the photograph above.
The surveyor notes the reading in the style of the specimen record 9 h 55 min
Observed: 9 h 54 min
